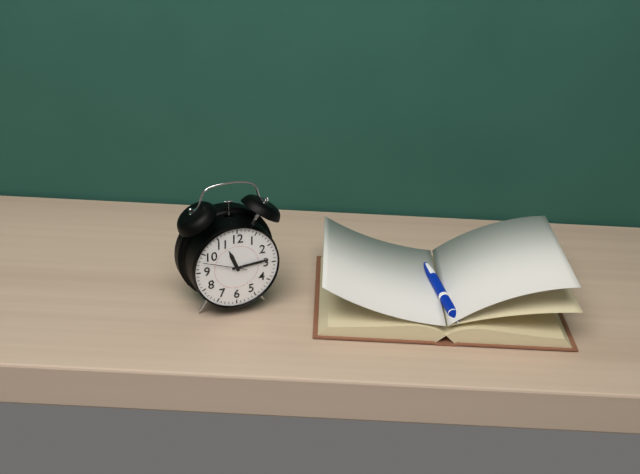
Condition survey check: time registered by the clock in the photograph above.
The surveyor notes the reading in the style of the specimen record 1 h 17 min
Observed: 11 h 14 min
